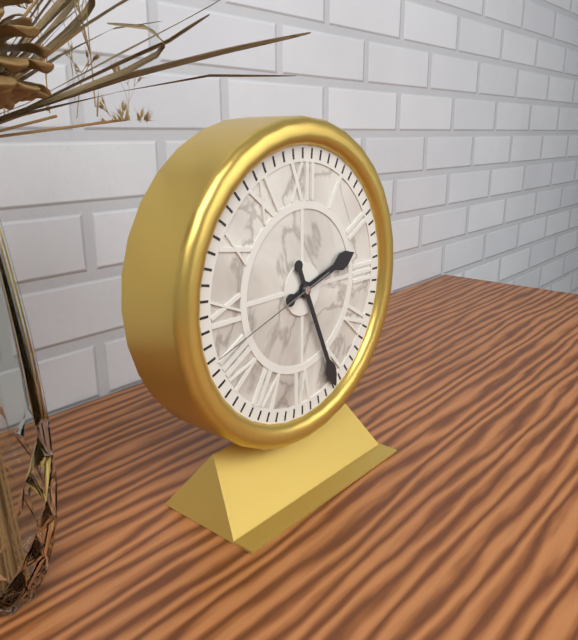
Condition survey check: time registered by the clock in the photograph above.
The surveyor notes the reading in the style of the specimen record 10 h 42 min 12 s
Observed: 2 h 26 min 42 s
